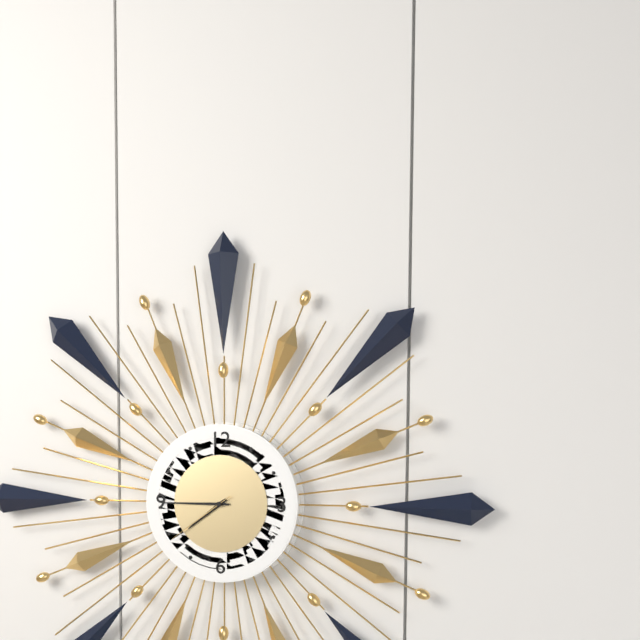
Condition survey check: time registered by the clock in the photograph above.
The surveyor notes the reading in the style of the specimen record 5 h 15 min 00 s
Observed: 7 h 45 min 39 s
